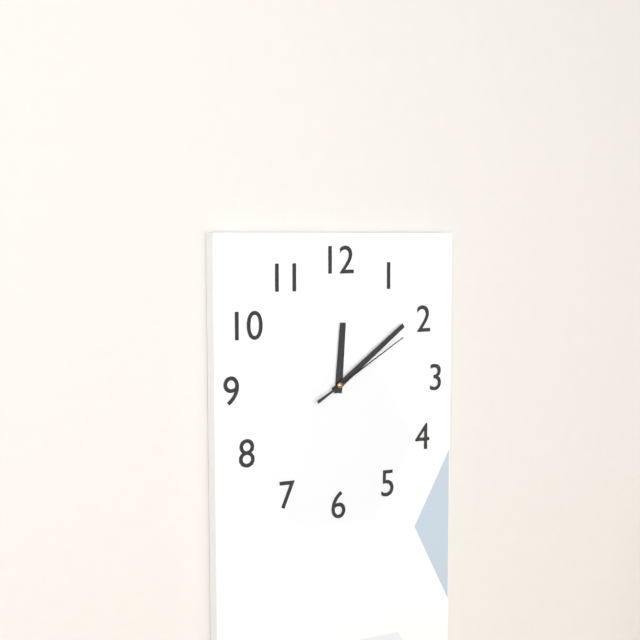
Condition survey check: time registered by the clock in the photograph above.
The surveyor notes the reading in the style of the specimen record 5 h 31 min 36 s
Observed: 12 h 09 min 10 s
